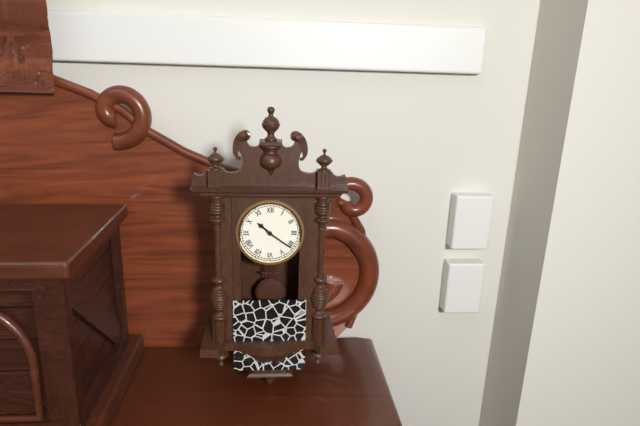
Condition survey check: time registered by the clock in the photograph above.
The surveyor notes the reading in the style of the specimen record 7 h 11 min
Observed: 10 h 21 min
